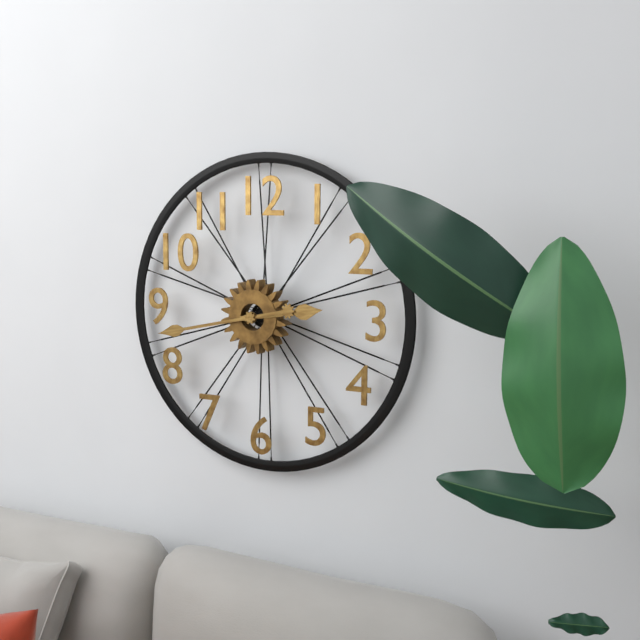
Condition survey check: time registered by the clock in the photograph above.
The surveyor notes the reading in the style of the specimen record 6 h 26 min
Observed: 2 h 43 min
